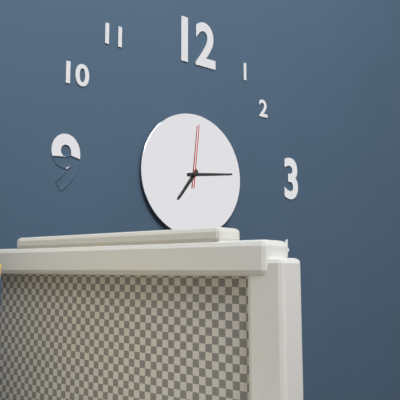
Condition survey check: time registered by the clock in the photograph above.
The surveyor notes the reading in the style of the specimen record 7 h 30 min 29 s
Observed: 7 h 14 min 01 s
